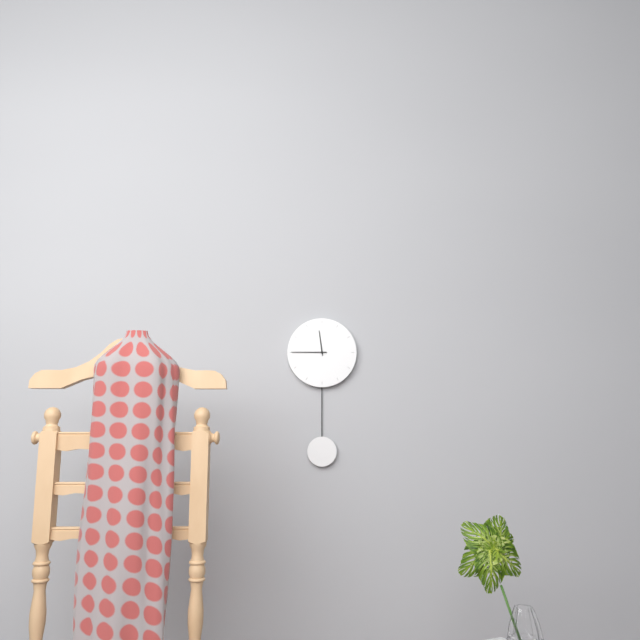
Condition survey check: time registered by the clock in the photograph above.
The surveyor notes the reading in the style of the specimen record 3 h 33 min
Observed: 11 h 45 min
